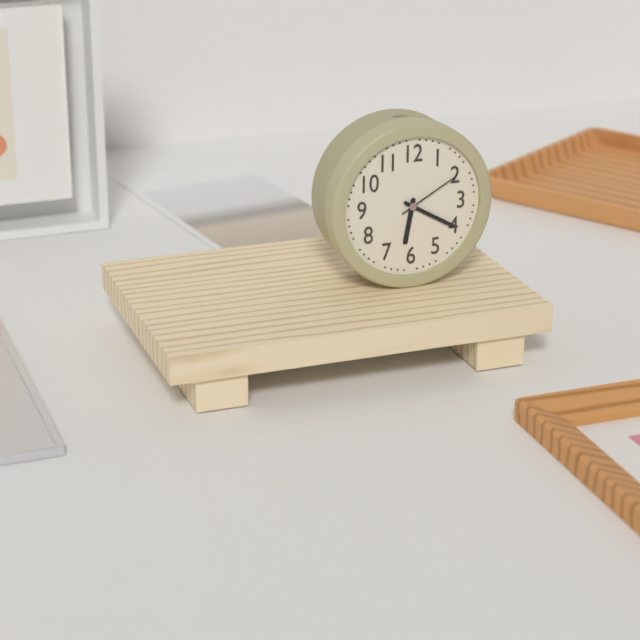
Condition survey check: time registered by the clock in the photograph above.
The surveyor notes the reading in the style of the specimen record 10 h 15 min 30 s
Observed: 6 h 20 min 10 s
